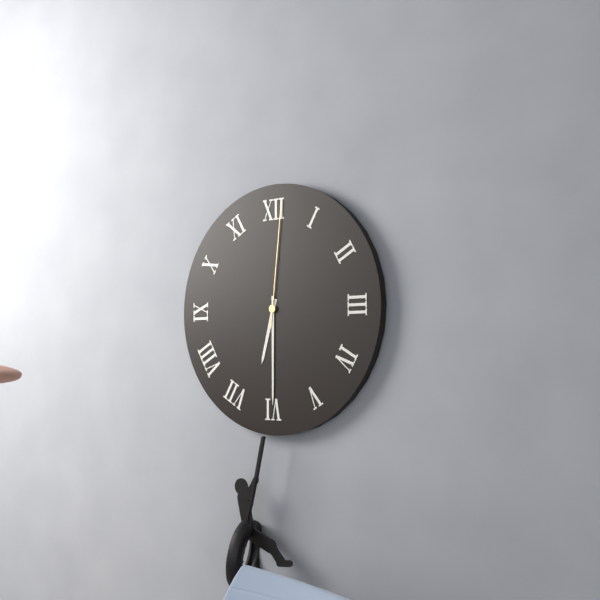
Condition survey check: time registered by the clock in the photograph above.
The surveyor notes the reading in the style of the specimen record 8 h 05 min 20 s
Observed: 6 h 30 min 01 s
